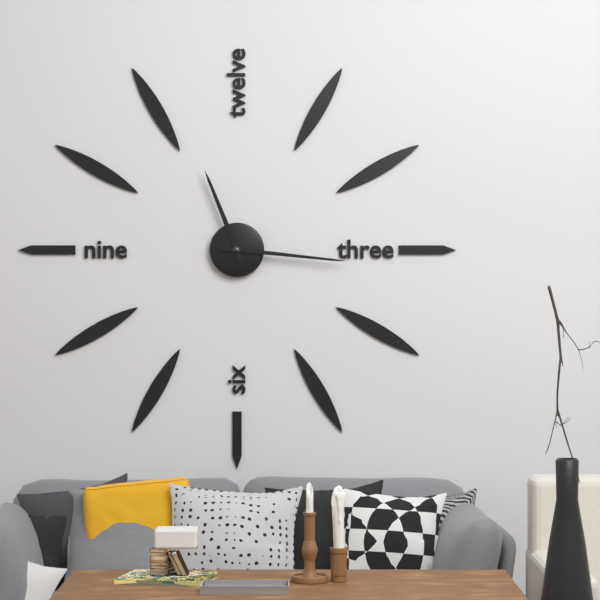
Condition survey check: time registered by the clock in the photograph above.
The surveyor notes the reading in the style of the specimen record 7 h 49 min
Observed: 11 h 16 min
